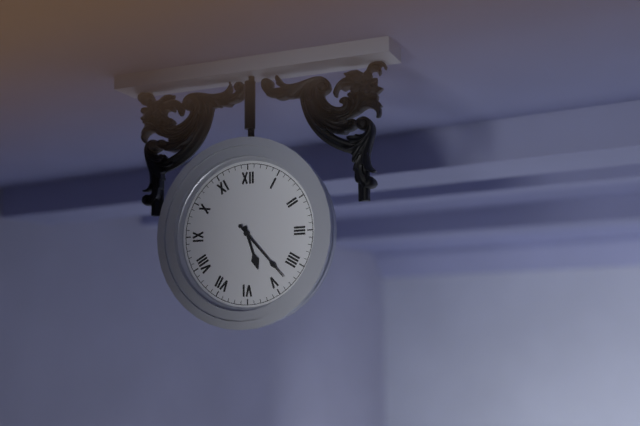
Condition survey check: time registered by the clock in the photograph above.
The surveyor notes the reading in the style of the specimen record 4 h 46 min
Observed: 5 h 23 min
